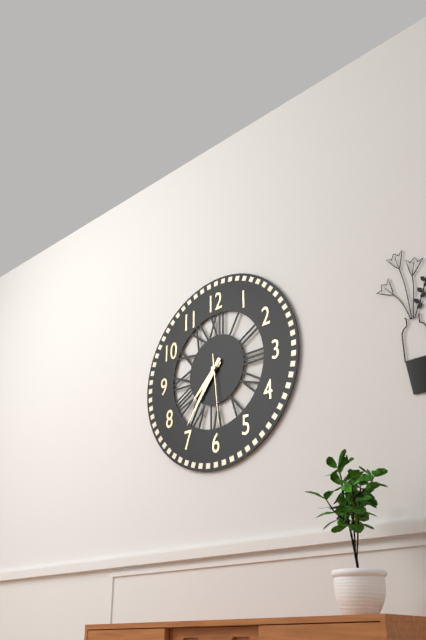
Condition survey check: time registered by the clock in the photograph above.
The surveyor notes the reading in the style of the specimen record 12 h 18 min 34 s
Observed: 7 h 36 min 29 s
